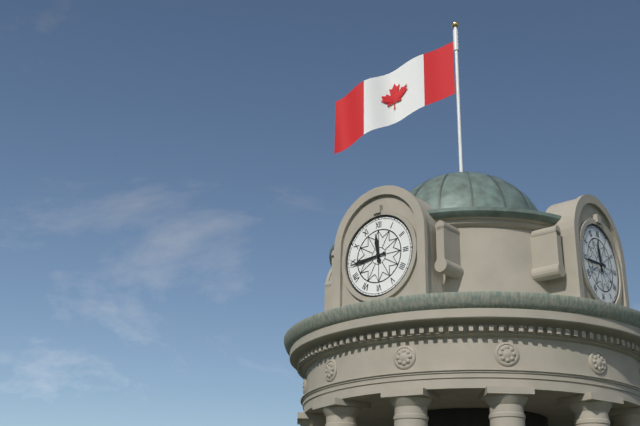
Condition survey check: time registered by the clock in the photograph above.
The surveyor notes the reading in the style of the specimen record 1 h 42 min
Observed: 11 h 44 min
